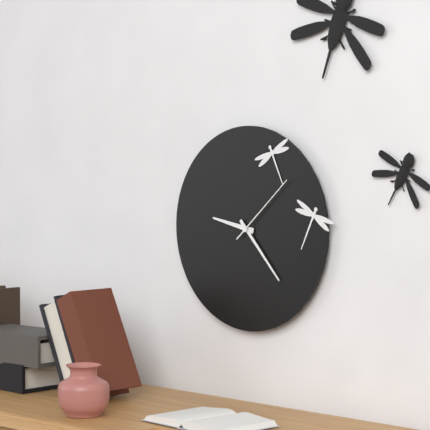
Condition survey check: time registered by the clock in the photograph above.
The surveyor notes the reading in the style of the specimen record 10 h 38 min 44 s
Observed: 9 h 23 min 08 s
